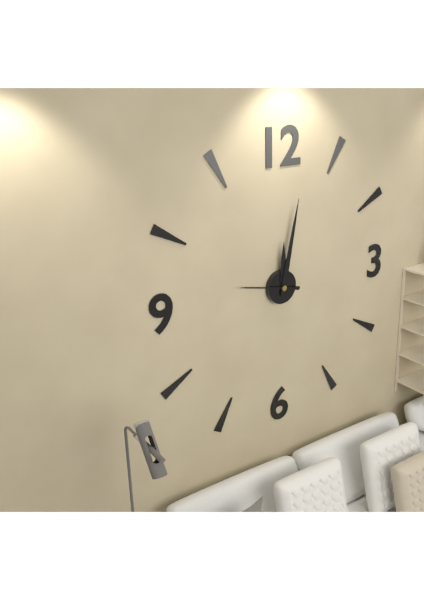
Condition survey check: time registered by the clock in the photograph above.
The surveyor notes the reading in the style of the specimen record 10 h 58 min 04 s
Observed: 12 h 02 min 47 s
